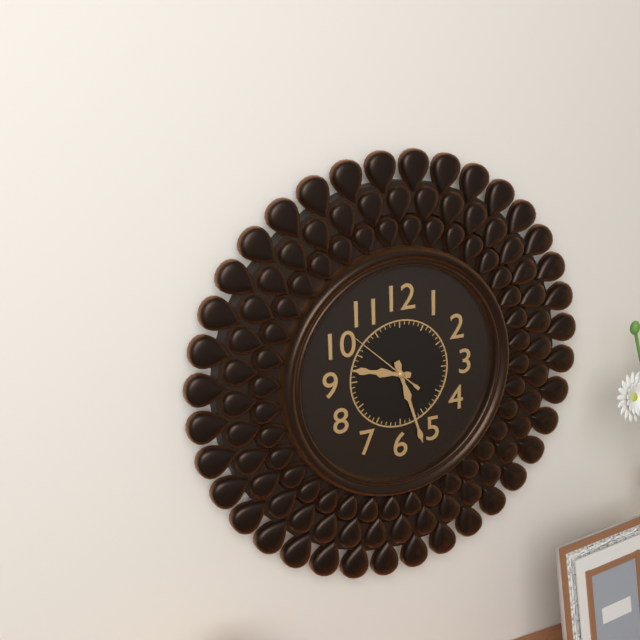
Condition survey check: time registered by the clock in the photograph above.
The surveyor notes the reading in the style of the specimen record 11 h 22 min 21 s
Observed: 9 h 27 min 52 s
